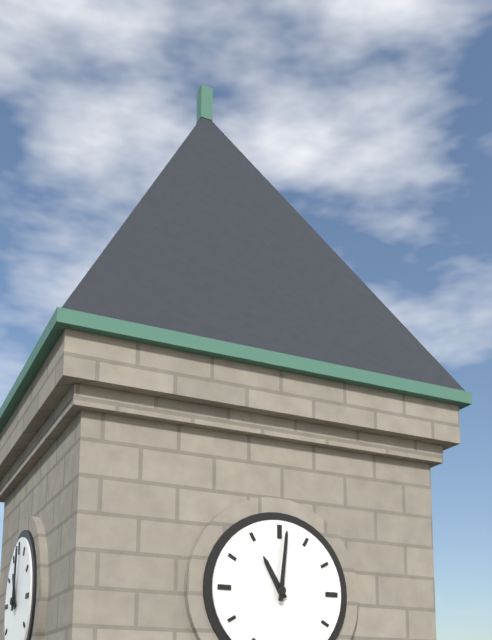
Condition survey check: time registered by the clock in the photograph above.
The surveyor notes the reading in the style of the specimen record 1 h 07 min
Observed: 11 h 01 min
